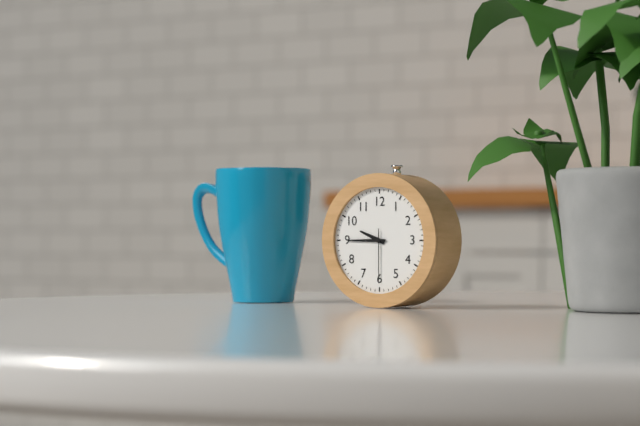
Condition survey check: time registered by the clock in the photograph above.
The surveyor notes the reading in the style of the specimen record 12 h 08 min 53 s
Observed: 9 h 45 min 30 s
